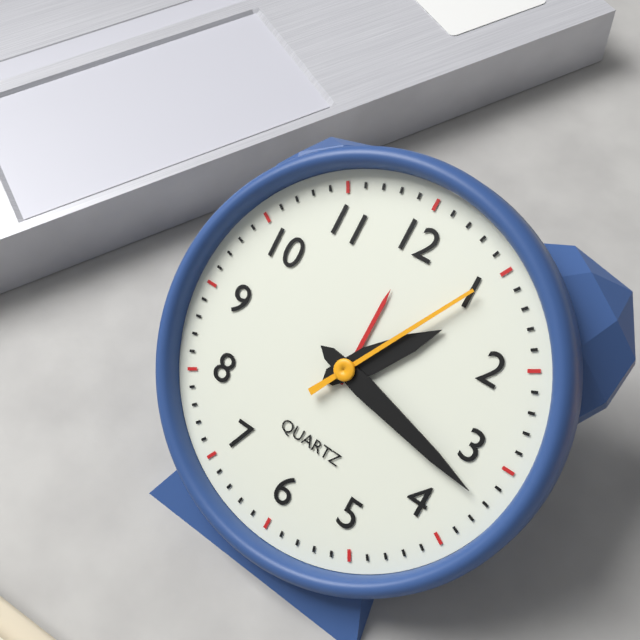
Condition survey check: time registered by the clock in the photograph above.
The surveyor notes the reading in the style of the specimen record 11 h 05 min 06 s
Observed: 1 h 17 min 05 s
